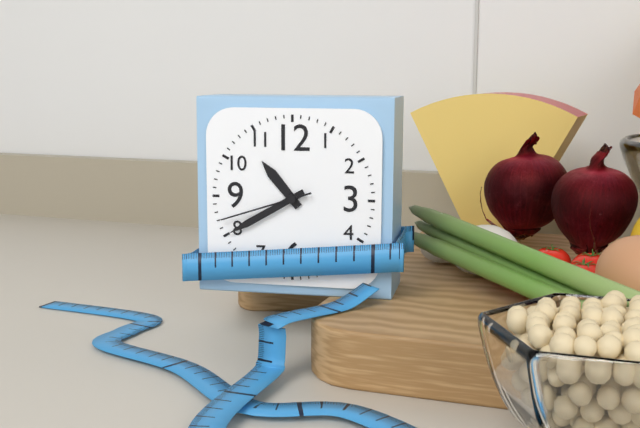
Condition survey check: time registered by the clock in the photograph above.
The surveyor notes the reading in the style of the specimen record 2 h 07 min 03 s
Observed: 10 h 40 min 42 s
